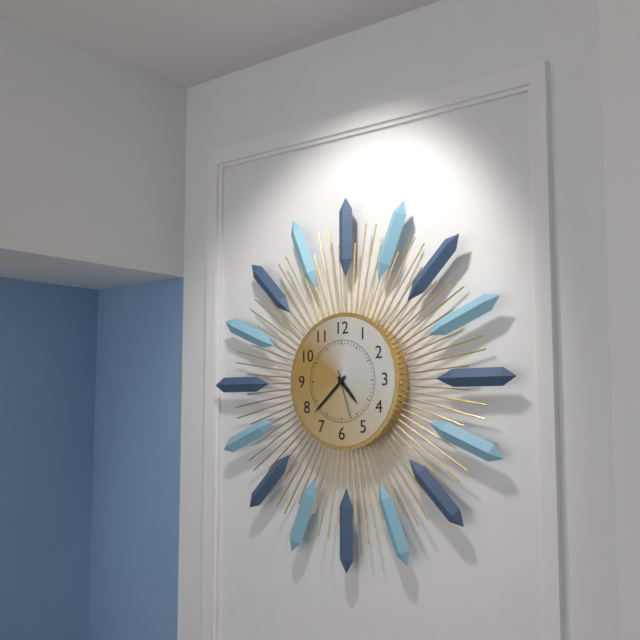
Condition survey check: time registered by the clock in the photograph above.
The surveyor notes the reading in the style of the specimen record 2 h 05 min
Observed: 4 h 38 min
